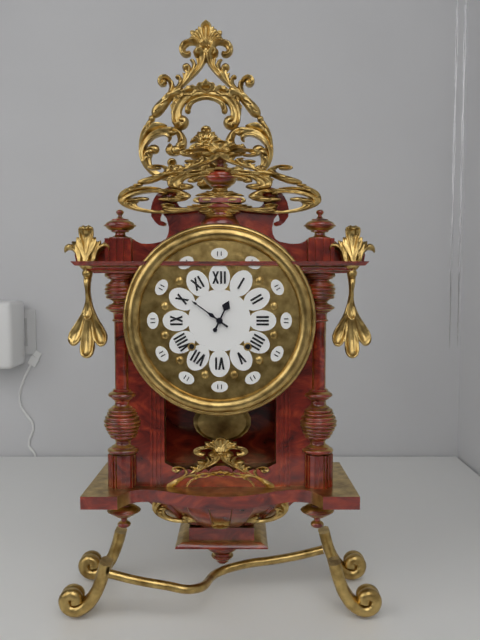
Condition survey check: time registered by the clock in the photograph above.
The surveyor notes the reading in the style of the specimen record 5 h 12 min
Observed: 12 h 51 min
